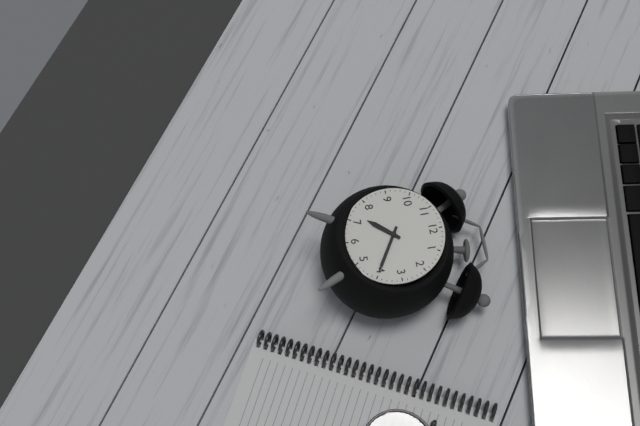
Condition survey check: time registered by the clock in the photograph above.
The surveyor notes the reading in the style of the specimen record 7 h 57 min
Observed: 7 h 20 min
